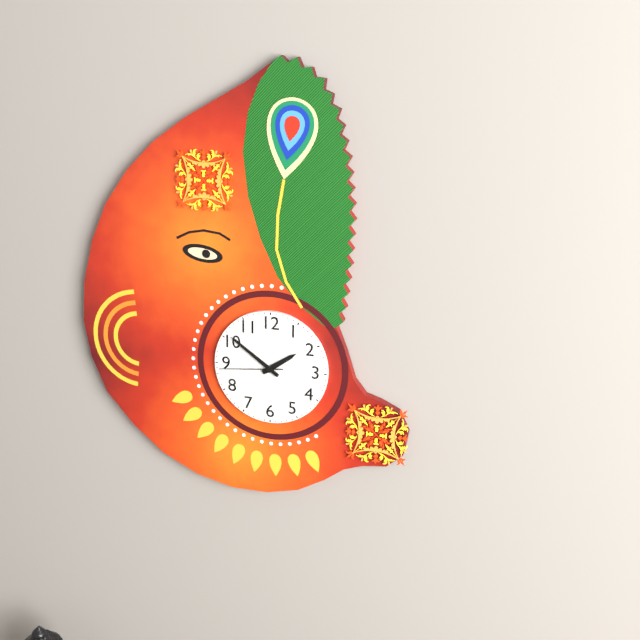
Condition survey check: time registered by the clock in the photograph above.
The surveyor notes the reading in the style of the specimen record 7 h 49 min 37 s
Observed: 1 h 51 min 44 s
